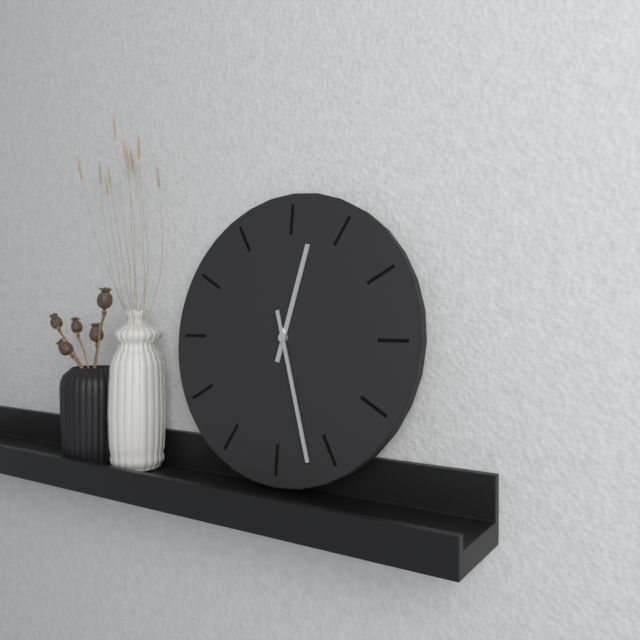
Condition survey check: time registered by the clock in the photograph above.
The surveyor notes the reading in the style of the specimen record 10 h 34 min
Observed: 12 h 27 min
